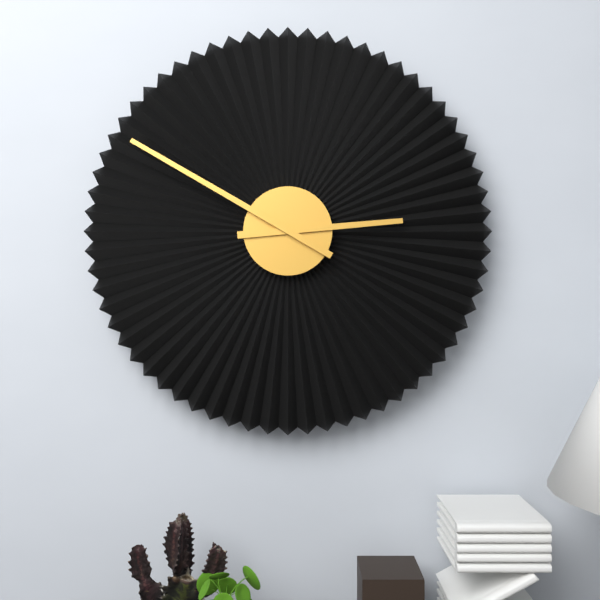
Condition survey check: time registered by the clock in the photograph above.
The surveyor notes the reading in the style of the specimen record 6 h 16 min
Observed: 2 h 50 min
